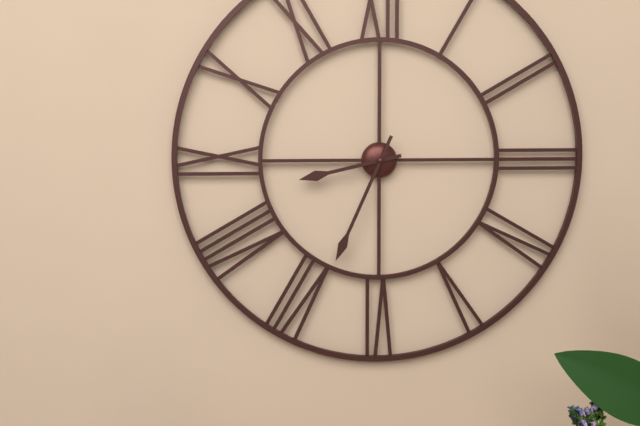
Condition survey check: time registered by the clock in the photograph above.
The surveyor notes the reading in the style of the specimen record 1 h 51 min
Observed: 8 h 34 min
